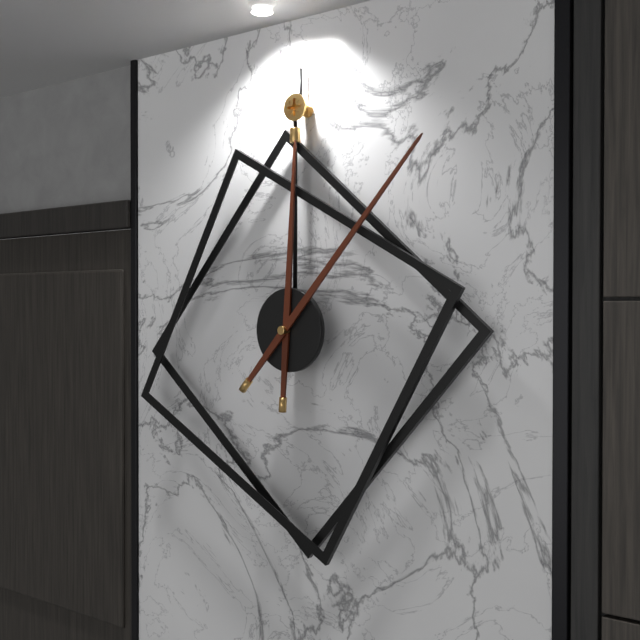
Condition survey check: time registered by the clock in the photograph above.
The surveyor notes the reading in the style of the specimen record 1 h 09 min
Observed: 12 h 07 min
